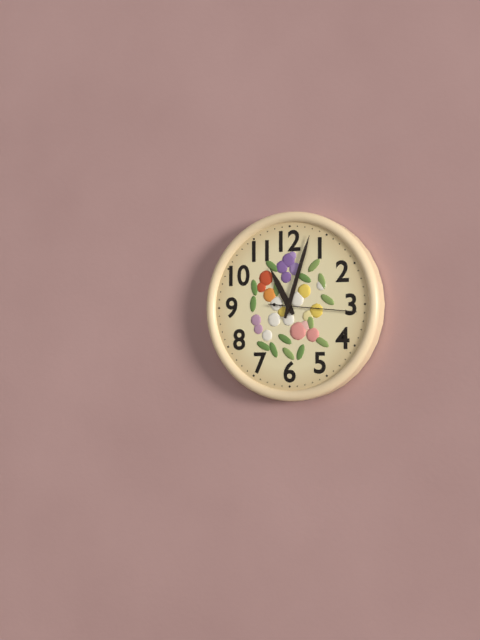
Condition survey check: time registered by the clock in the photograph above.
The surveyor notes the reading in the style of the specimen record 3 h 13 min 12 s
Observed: 11 h 03 min 16 s
